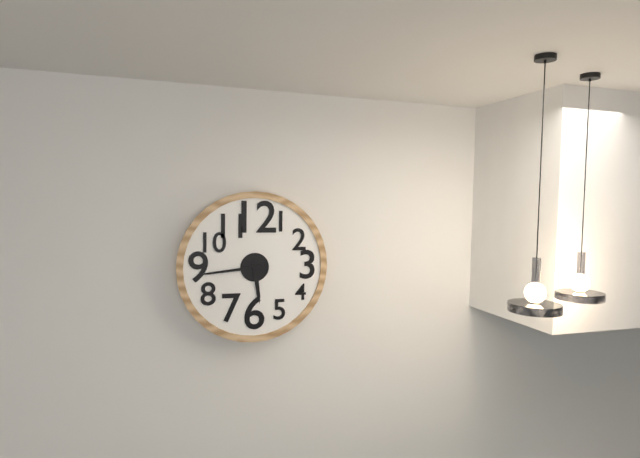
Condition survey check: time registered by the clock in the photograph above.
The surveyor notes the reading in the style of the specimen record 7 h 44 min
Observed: 5 h 44 min
